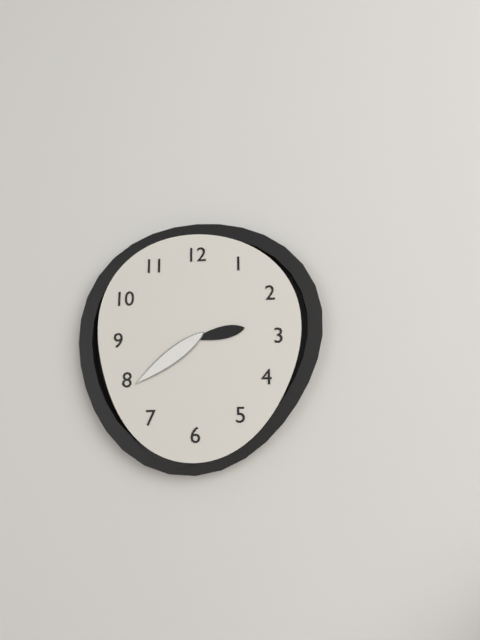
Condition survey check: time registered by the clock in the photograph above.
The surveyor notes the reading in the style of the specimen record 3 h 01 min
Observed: 2 h 39 min
